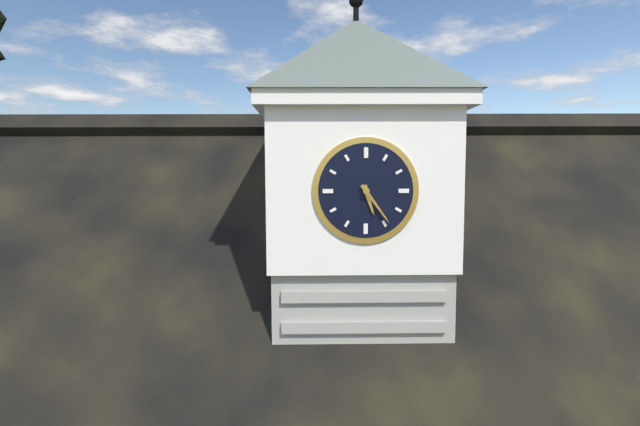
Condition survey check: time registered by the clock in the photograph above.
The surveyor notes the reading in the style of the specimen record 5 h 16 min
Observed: 5 h 24 min
